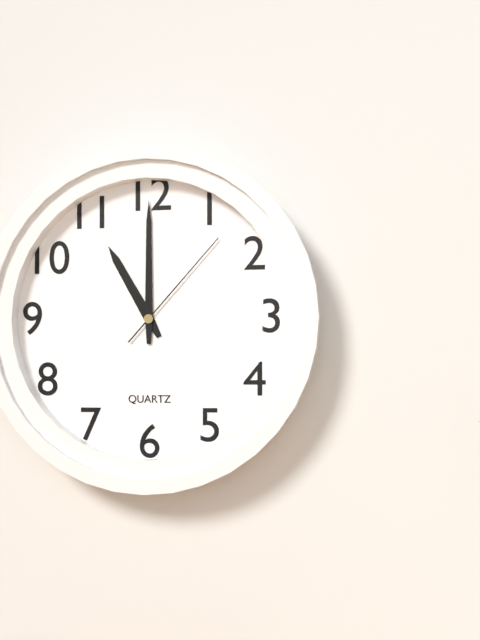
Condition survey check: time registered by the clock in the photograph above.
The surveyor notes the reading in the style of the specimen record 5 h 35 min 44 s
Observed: 11 h 00 min 07 s
